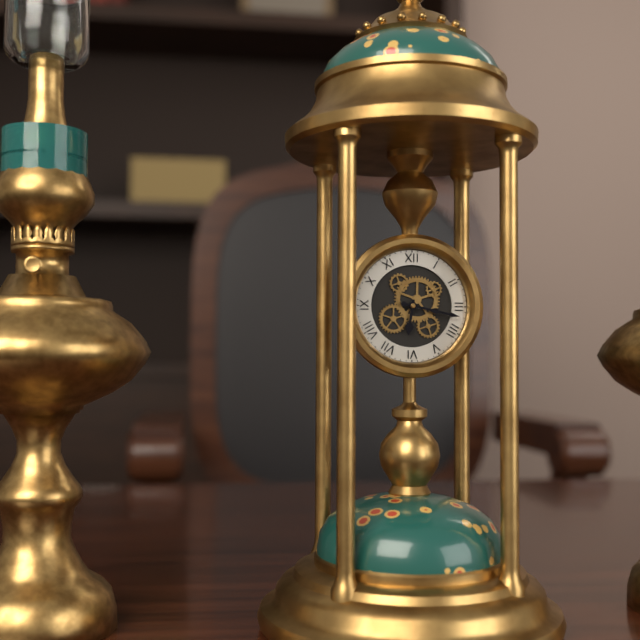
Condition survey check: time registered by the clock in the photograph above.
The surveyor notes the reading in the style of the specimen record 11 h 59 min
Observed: 6 h 17 min
